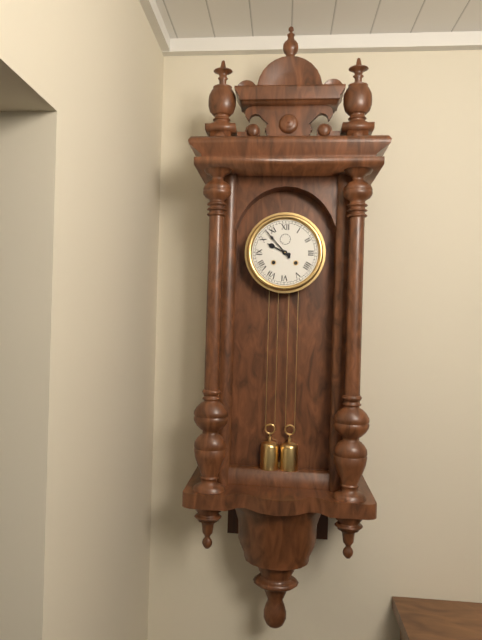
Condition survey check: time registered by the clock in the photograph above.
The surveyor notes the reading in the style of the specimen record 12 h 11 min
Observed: 9 h 53 min
